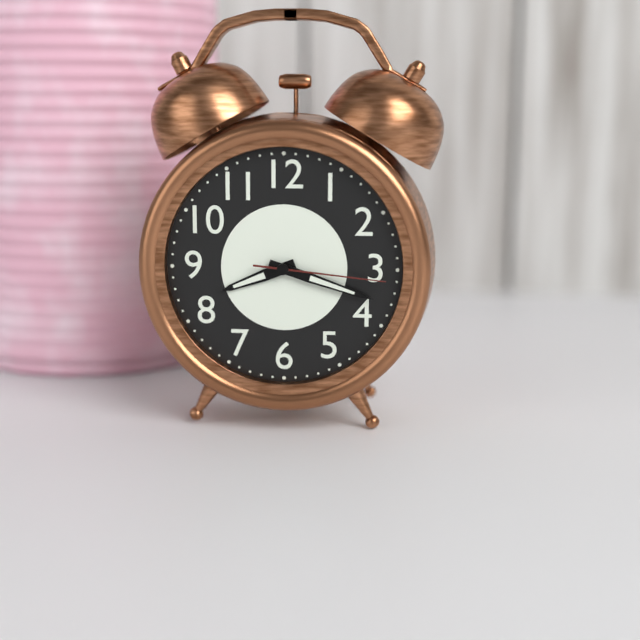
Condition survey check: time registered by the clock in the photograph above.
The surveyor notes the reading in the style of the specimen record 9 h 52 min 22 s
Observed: 8 h 18 min 16 s
